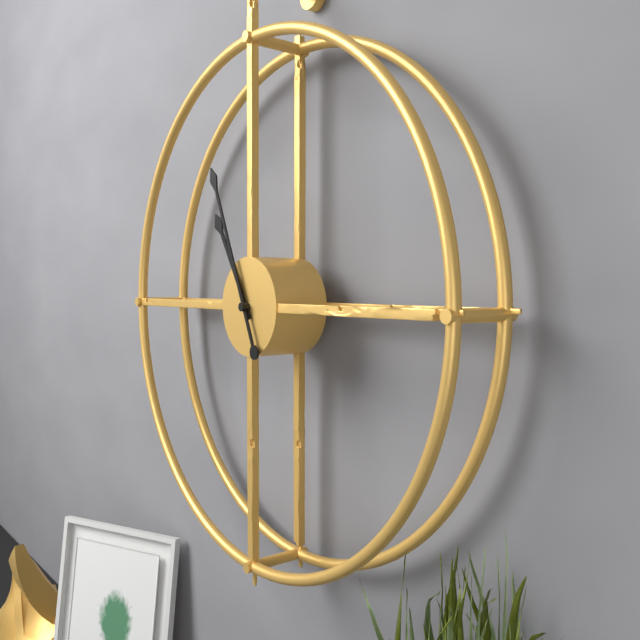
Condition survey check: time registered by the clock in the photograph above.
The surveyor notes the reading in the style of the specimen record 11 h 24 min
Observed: 10 h 56 min
